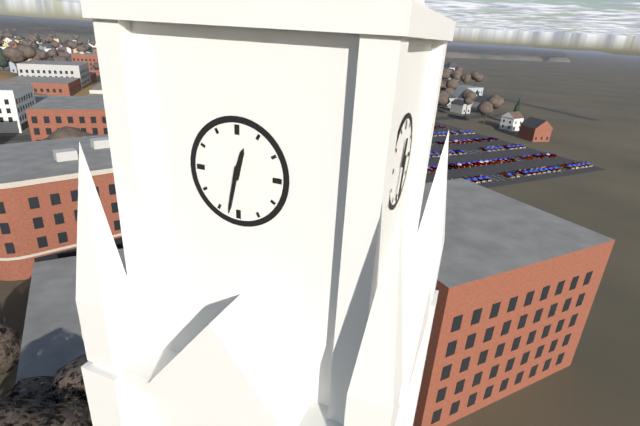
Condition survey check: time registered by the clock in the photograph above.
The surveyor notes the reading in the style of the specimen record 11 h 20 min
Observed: 12 h 32 min
